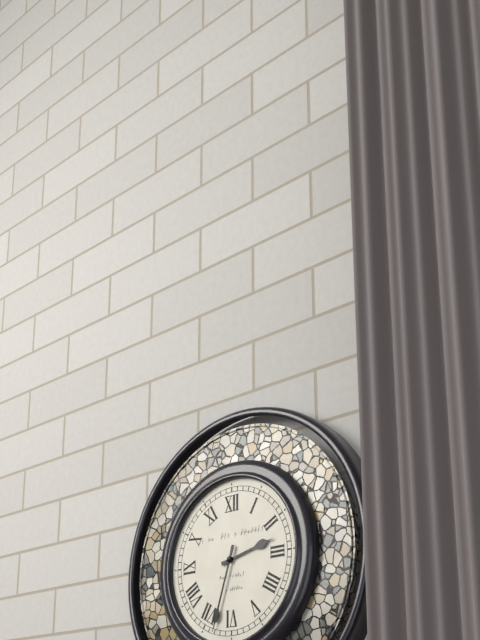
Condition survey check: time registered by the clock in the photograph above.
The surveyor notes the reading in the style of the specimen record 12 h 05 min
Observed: 2 h 33 min
